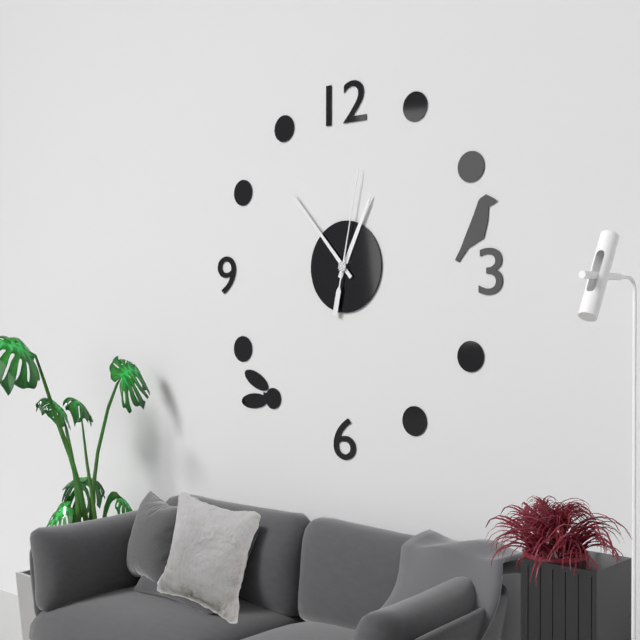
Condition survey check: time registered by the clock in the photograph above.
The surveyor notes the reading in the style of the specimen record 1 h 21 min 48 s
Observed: 12 h 53 min 02 s
